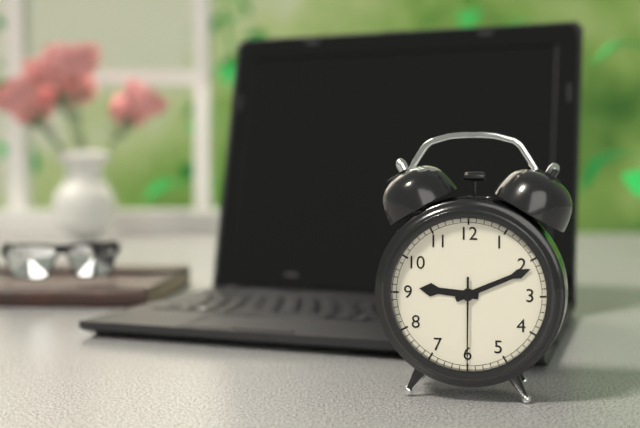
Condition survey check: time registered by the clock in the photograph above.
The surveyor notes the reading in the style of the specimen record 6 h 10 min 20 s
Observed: 9 h 11 min 30 s
